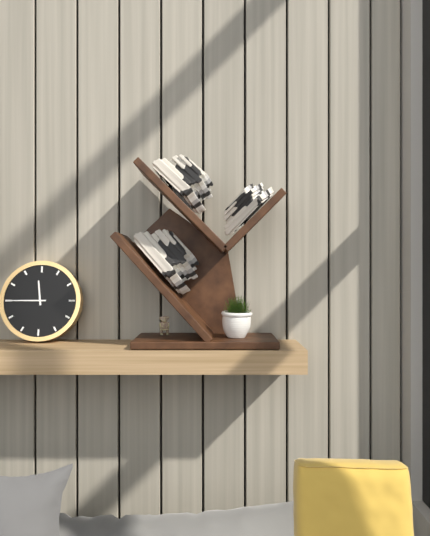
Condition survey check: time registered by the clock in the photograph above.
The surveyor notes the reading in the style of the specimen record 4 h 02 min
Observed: 11 h 45 min
